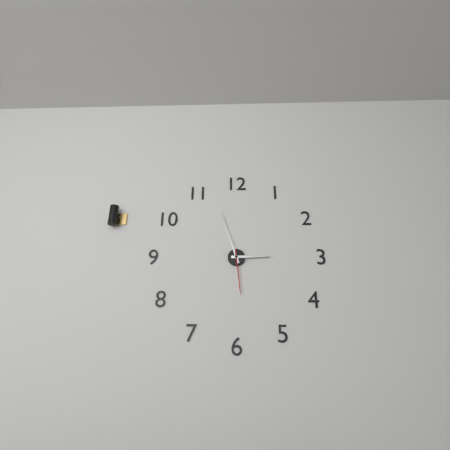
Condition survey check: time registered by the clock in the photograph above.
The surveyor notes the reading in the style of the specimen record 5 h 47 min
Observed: 2 h 57 min
